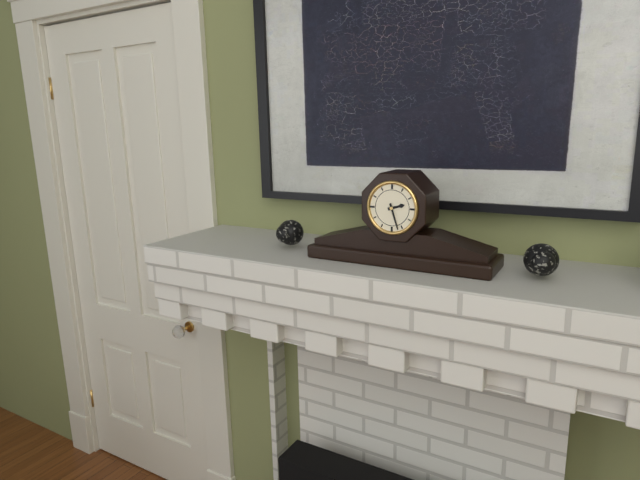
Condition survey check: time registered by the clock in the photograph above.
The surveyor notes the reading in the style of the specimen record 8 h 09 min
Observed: 2 h 27 min
